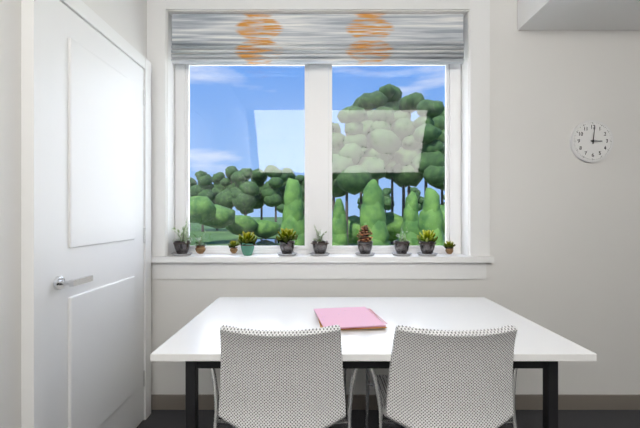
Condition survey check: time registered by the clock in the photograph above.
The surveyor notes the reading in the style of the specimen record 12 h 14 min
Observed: 3 h 01 min
